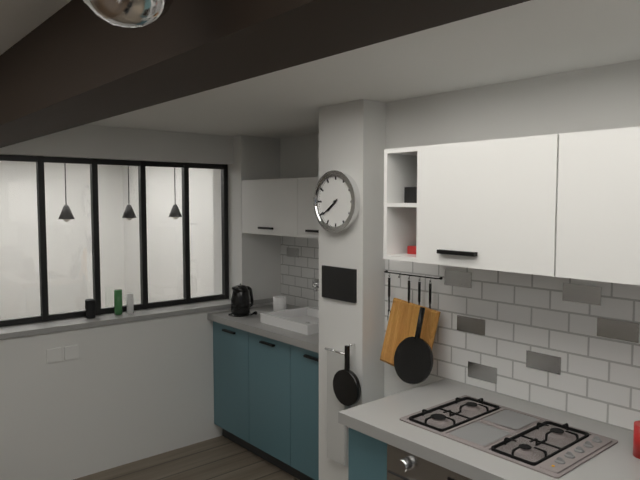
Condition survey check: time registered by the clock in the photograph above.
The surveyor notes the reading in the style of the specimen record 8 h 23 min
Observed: 7 h 39 min
